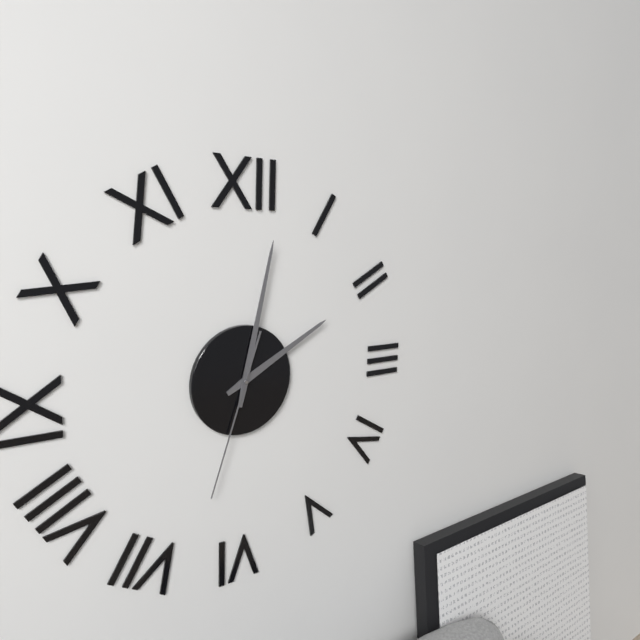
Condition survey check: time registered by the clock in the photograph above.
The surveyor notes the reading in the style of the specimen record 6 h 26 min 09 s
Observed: 2 h 02 min 33 s
